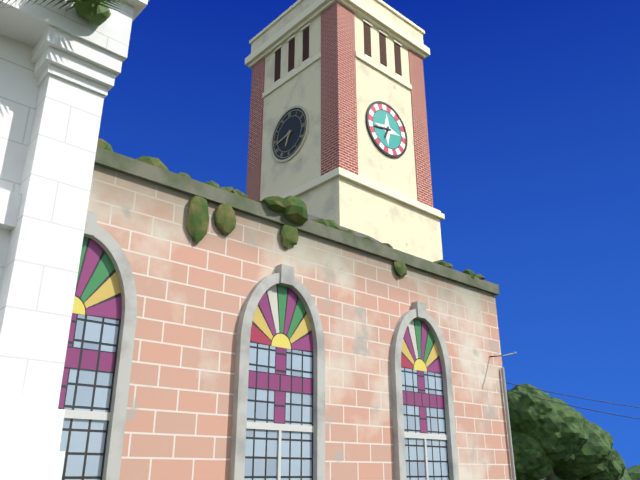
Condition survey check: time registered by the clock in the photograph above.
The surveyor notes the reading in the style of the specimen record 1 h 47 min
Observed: 6 h 43 min
